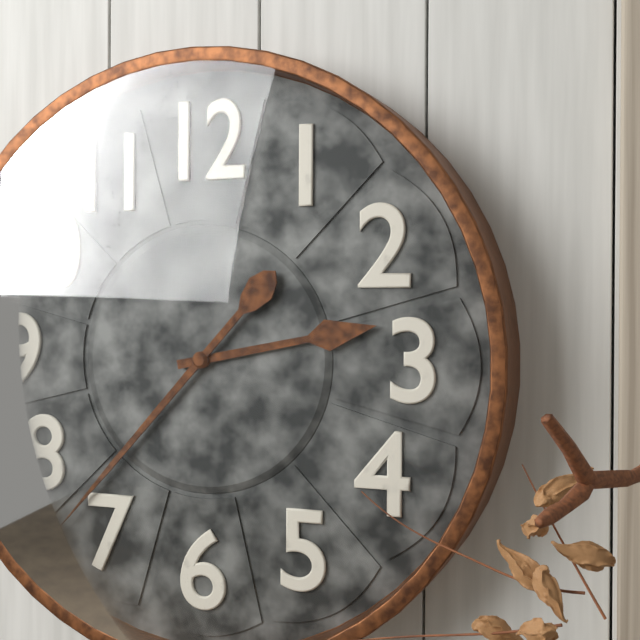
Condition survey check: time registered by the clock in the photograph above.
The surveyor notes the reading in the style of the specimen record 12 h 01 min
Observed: 2 h 37 min
